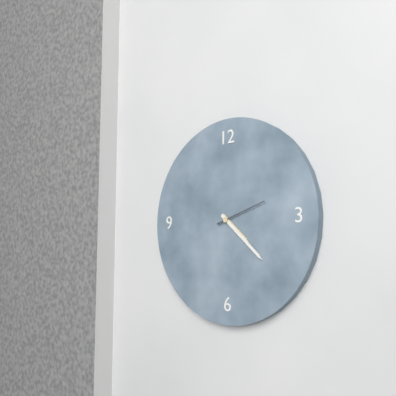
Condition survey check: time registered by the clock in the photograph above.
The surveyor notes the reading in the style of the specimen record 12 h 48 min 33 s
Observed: 4 h 22 min 12 s
